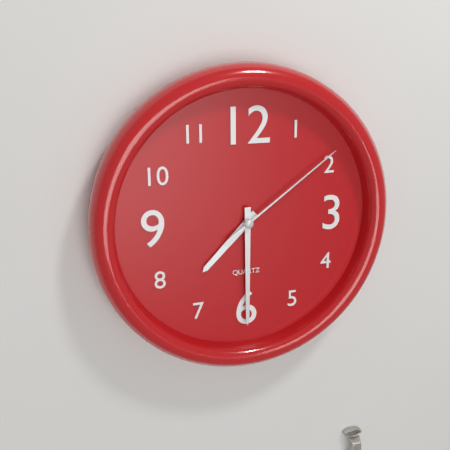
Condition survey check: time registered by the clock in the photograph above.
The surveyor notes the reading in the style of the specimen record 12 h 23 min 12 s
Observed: 7 h 30 min 09 s
